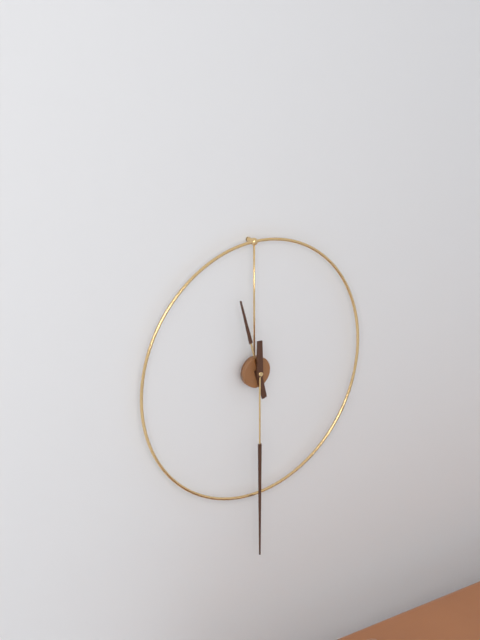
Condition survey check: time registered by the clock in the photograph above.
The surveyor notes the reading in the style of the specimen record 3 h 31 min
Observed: 11 h 30 min
